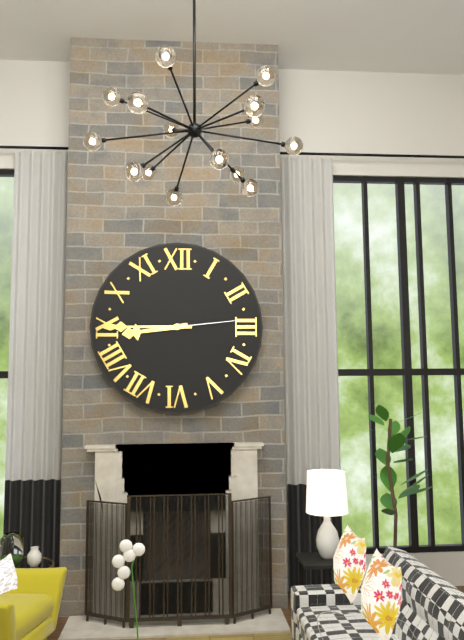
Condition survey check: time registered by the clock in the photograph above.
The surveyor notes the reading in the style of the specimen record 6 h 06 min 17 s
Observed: 8 h 45 min 14 s
